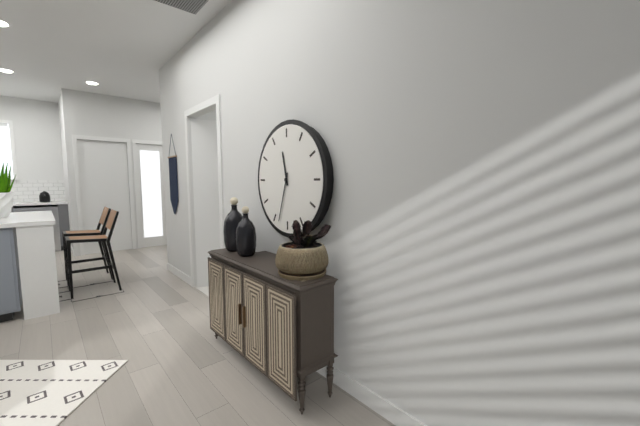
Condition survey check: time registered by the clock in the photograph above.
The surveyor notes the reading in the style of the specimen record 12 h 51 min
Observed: 11 h 33 min
